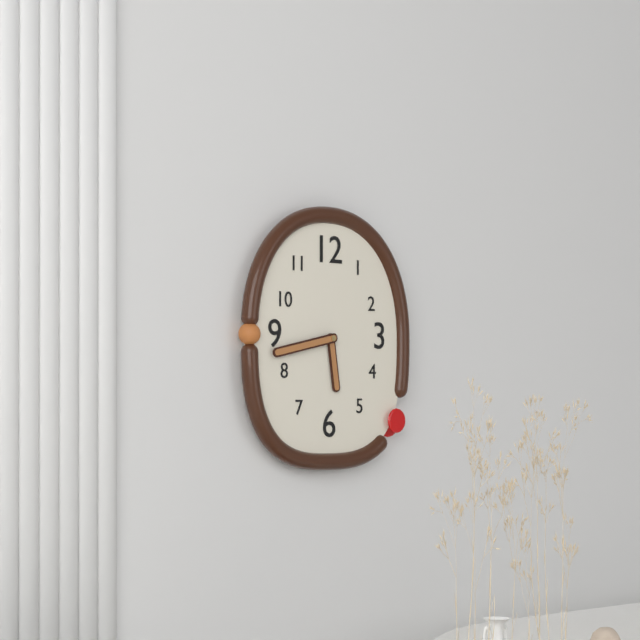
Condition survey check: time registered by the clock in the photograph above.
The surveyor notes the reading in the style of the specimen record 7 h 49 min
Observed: 5 h 43 min
